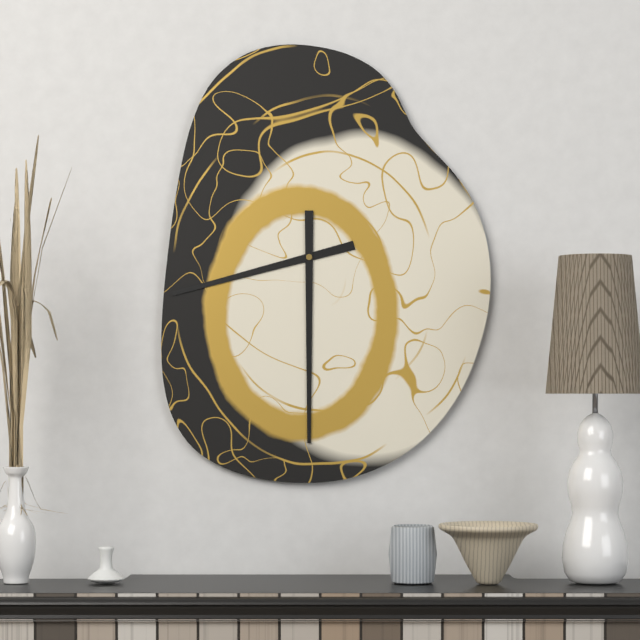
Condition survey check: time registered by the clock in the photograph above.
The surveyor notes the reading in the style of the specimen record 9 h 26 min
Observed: 8 h 30 min
